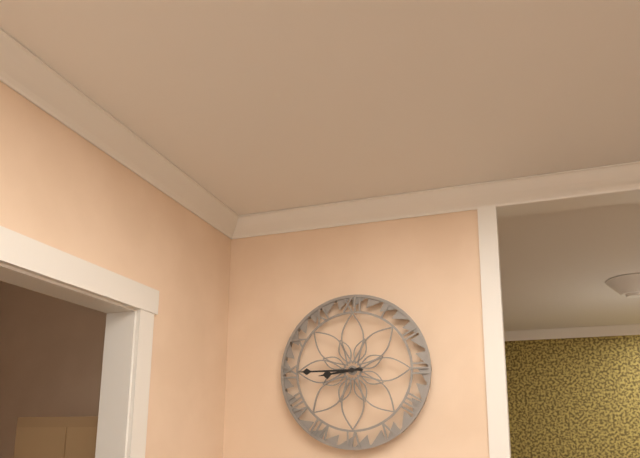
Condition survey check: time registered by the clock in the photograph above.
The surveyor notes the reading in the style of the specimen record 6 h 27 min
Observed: 8 h 45 min
